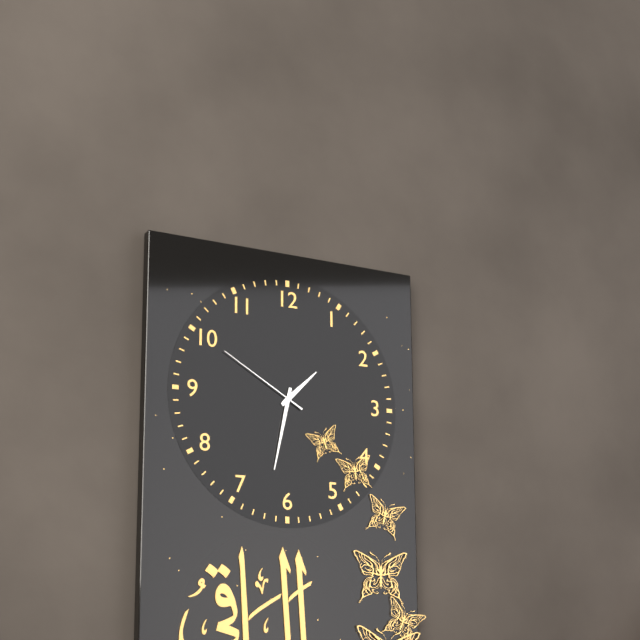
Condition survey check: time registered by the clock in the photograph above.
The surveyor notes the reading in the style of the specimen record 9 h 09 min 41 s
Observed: 1 h 32 min 50 s
